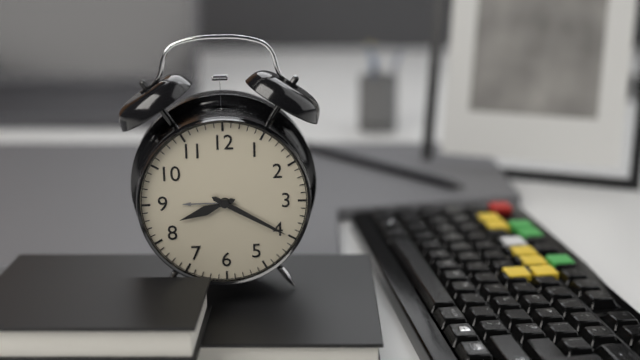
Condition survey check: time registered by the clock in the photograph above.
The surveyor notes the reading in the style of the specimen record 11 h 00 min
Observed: 8 h 20 min
